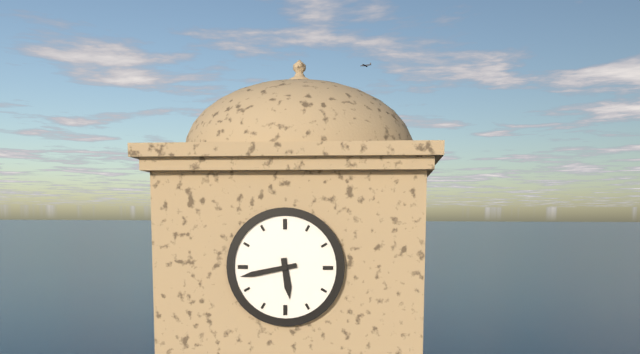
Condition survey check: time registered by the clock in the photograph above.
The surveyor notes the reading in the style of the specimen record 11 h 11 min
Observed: 5 h 43 min
